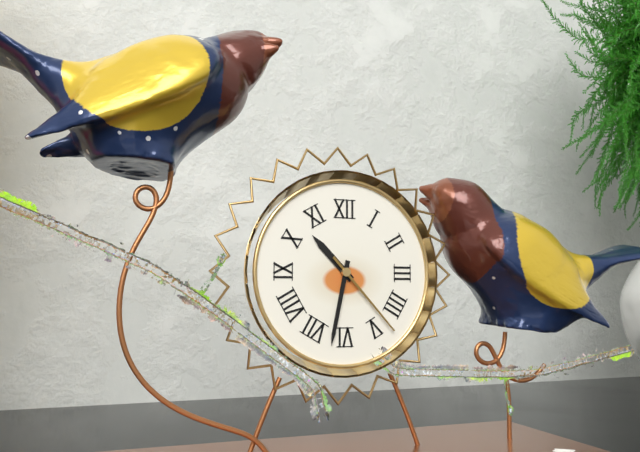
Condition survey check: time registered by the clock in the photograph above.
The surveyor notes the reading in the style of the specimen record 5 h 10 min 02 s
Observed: 10 h 32 min 23 s
